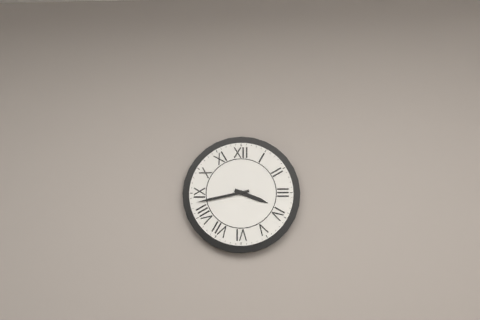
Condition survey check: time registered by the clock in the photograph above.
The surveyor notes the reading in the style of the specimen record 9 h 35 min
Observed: 3 h 43 min
